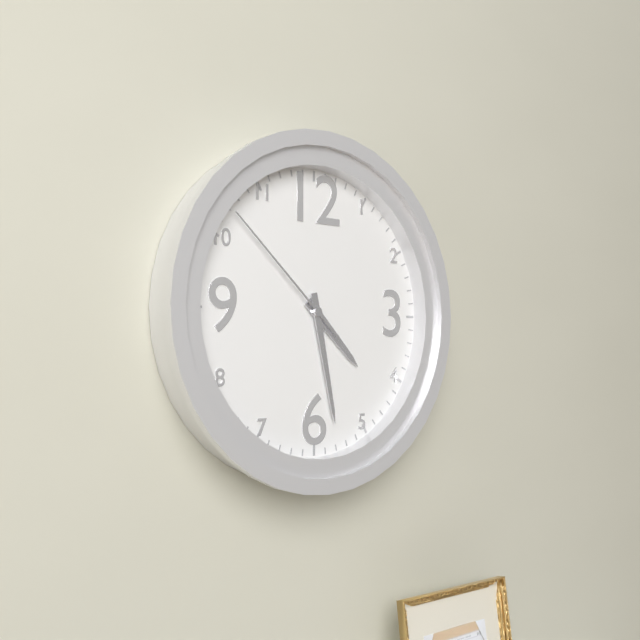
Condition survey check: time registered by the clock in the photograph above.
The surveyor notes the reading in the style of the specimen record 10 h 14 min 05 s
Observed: 4 h 28 min 52 s
